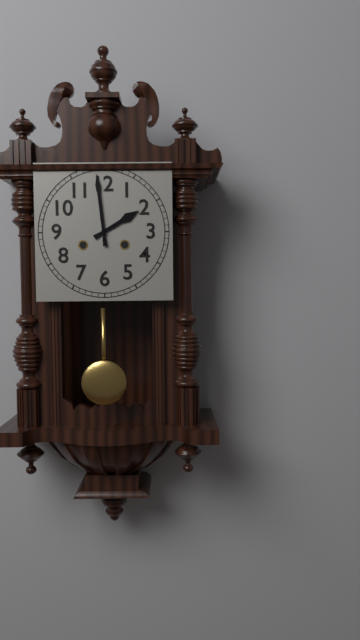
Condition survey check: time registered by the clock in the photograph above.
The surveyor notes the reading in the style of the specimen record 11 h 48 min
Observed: 1 h 59 min
